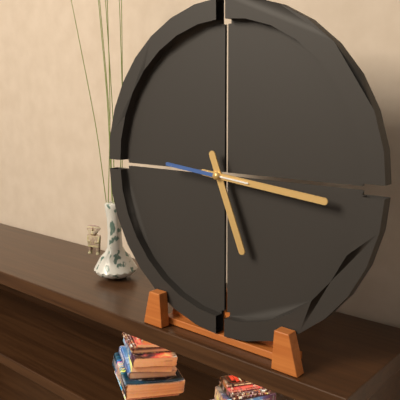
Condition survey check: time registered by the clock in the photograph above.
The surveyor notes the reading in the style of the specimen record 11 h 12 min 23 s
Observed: 5 h 16 min 46 s
